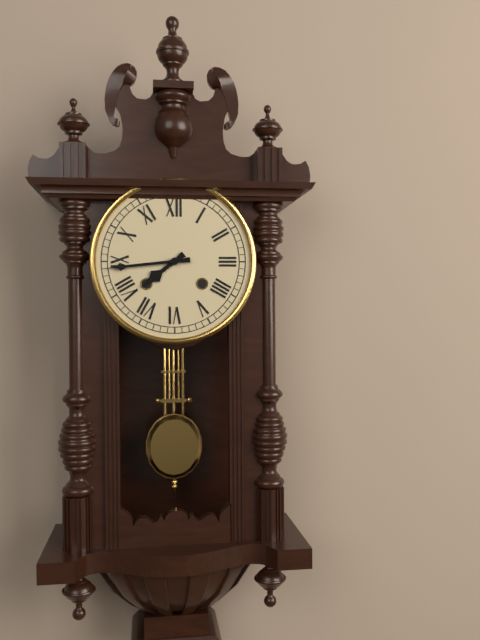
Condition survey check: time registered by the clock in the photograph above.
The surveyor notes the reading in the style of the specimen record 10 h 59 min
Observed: 7 h 44 min
